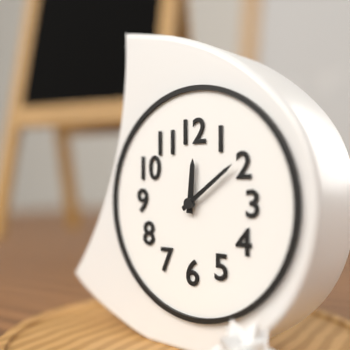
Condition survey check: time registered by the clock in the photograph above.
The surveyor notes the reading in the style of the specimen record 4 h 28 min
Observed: 12 h 09 min
